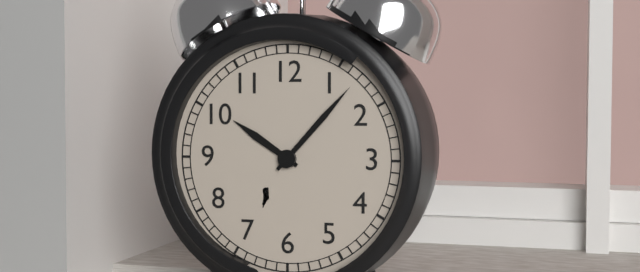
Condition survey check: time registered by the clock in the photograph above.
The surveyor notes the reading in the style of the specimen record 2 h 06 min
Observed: 10 h 07 min
